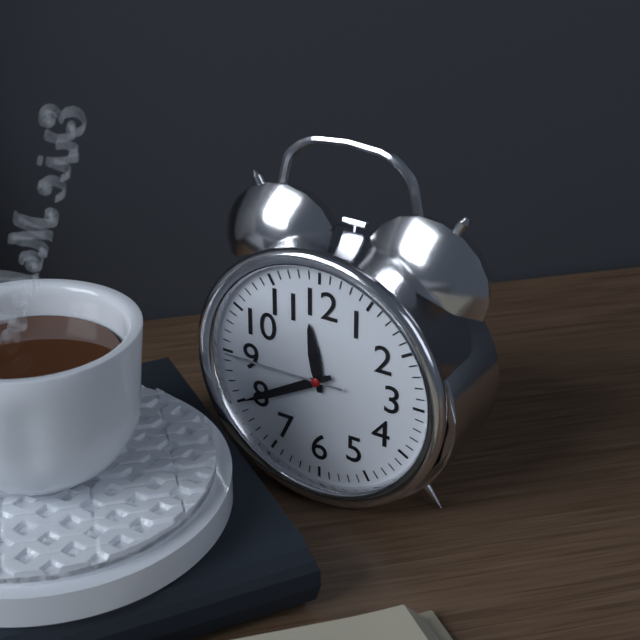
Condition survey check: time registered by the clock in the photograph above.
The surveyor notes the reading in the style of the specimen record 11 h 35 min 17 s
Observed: 11 h 40 min 45 s
